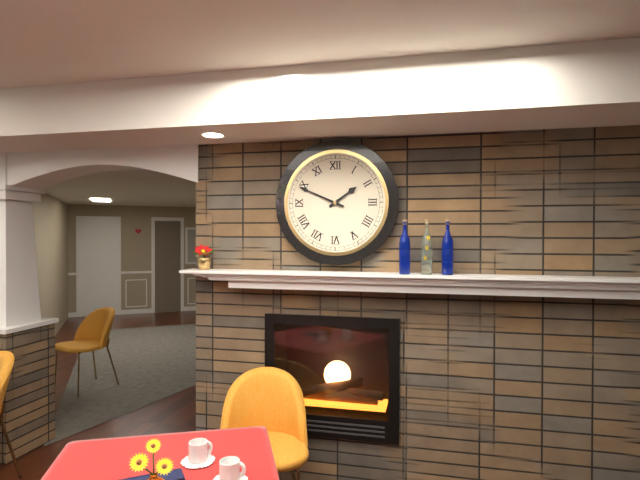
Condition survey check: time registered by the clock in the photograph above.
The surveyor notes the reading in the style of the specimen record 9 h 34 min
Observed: 1 h 49 min
